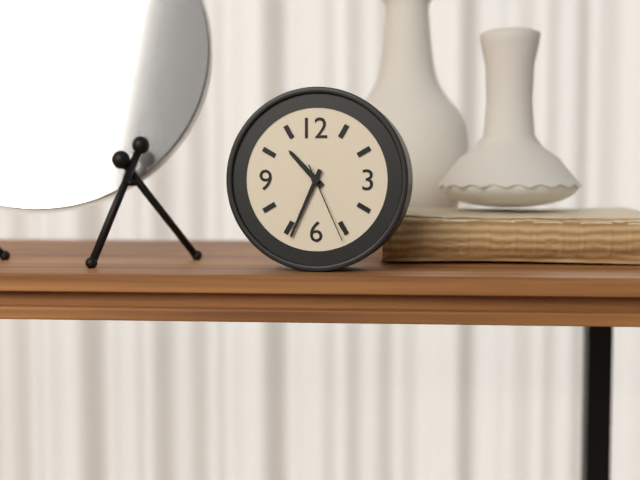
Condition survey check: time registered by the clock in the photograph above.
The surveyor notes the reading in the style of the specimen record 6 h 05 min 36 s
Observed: 10 h 34 min 26 s
